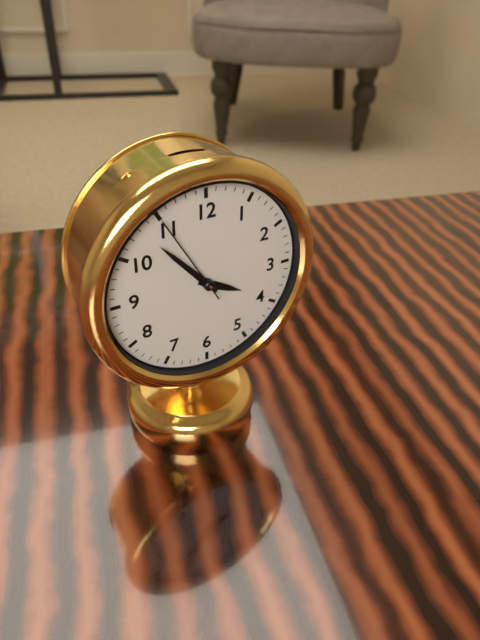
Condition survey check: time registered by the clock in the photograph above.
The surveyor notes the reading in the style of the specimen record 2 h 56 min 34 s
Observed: 3 h 53 min 55 s
